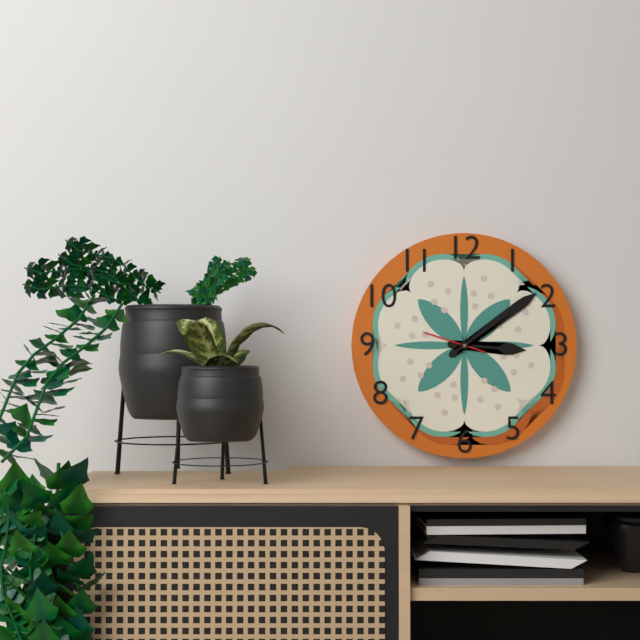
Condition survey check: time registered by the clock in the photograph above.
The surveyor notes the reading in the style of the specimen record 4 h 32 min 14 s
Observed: 3 h 09 min 48 s
